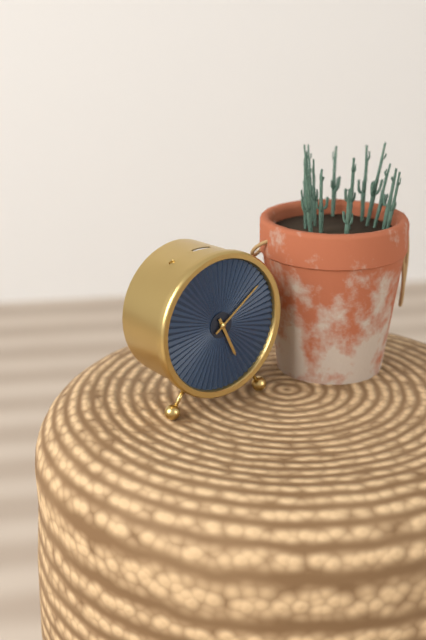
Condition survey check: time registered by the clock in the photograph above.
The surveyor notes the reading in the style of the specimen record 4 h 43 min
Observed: 5 h 09 min
